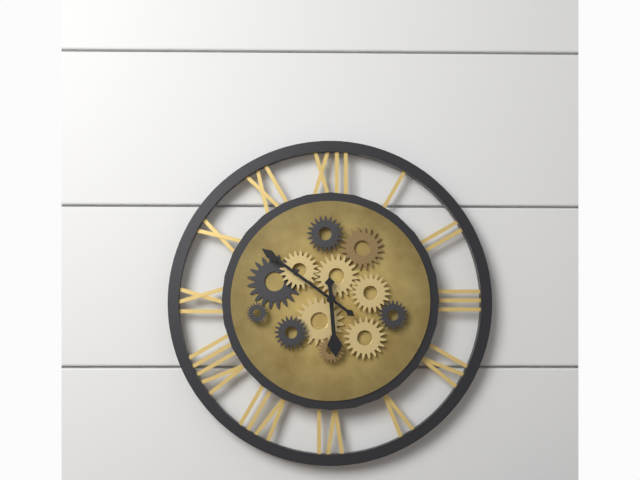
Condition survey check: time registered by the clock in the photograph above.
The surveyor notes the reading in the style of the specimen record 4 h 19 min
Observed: 5 h 51 min
